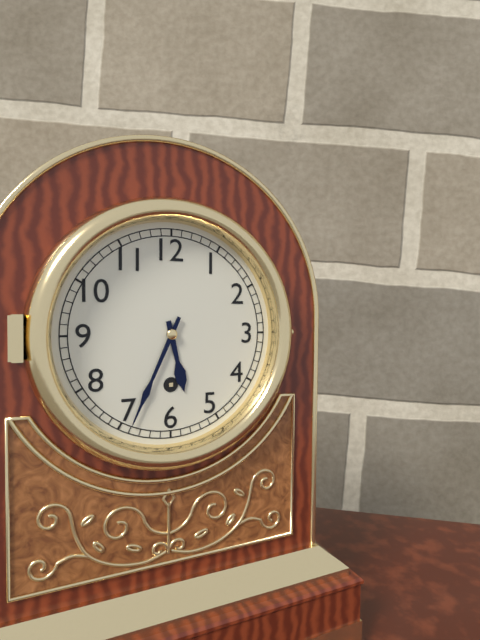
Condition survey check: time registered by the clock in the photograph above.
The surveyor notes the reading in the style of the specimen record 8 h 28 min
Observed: 5 h 34 min
